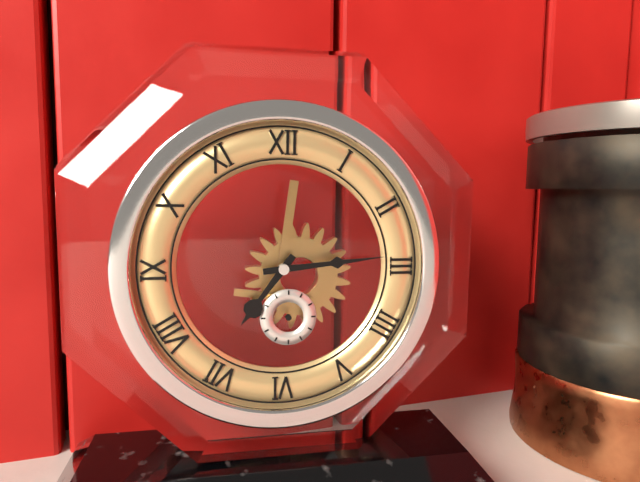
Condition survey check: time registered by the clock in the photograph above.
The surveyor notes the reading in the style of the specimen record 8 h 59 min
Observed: 7 h 14 min
